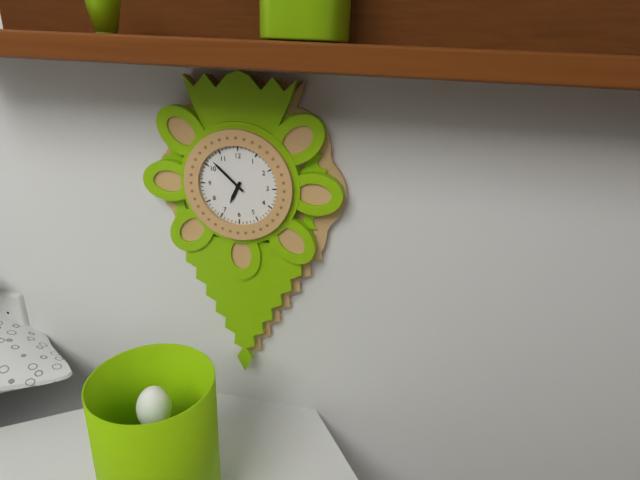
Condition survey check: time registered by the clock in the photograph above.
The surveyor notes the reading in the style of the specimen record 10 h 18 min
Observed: 6 h 52 min
